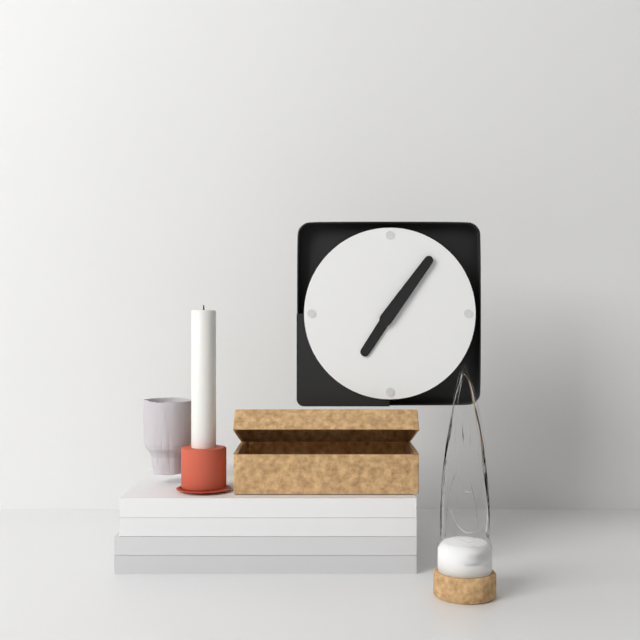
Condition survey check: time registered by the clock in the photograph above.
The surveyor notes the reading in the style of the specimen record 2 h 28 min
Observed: 7 h 06 min
